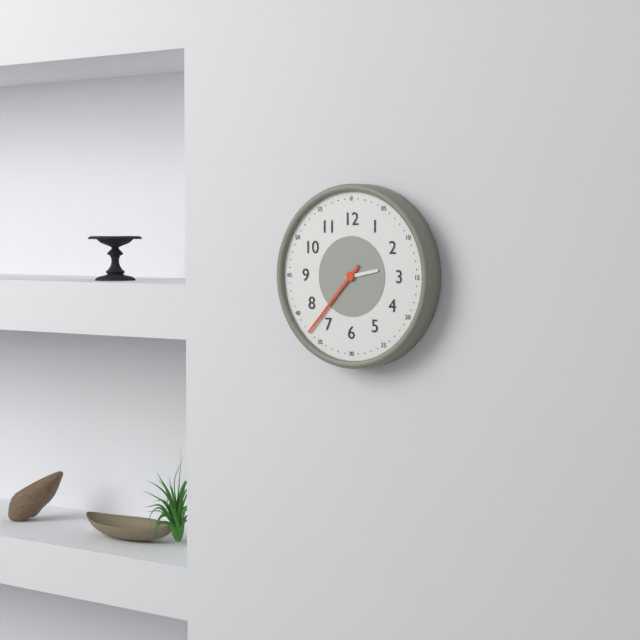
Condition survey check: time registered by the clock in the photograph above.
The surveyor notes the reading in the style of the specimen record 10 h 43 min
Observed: 2 h 37 min
